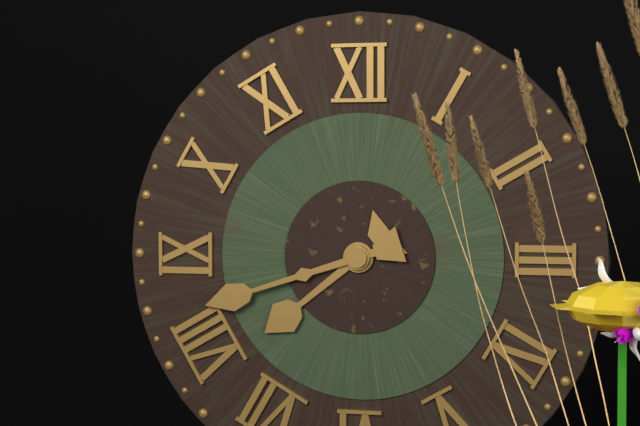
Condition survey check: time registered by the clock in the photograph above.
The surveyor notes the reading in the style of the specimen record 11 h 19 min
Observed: 7 h 42 min
